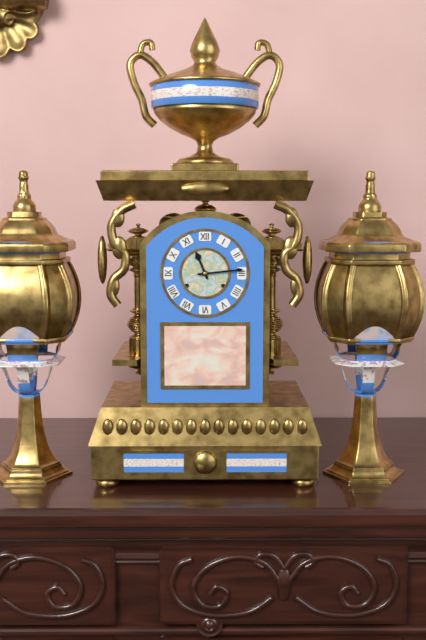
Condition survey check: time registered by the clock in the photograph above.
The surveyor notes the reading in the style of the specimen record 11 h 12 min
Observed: 11 h 14 min
